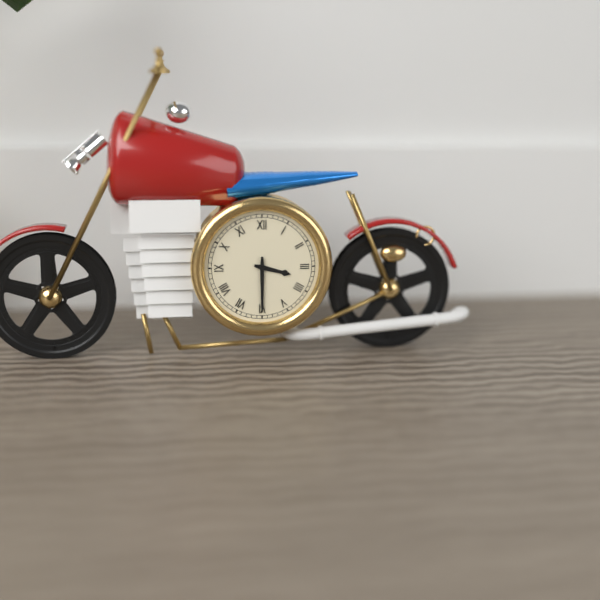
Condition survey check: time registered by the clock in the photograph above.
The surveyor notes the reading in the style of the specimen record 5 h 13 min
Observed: 3 h 30 min
